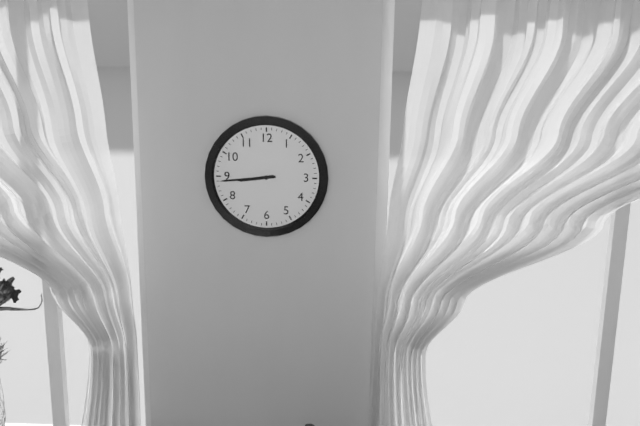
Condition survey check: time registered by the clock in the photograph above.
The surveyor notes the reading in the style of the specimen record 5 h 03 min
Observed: 8 h 44 min
